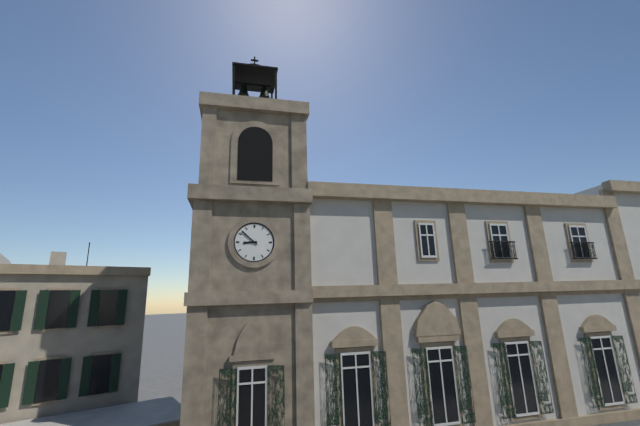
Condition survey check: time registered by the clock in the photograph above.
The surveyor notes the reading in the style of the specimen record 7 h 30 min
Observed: 8 h 52 min
